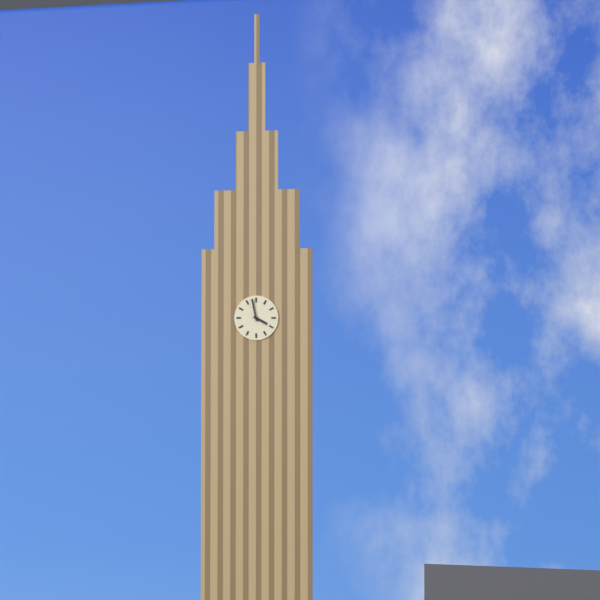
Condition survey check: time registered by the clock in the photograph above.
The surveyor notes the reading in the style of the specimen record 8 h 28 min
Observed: 3 h 58 min
